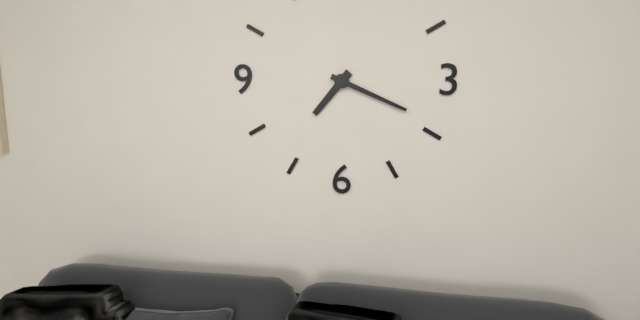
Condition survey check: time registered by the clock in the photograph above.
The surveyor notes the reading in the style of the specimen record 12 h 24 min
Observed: 7 h 19 min
